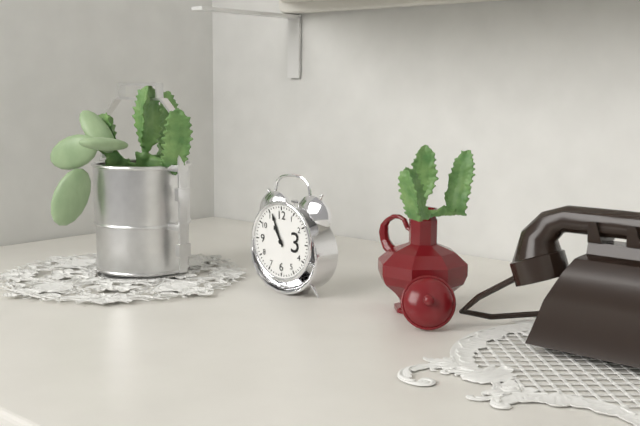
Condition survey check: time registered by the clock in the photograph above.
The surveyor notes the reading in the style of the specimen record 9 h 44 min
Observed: 10 h 56 min
